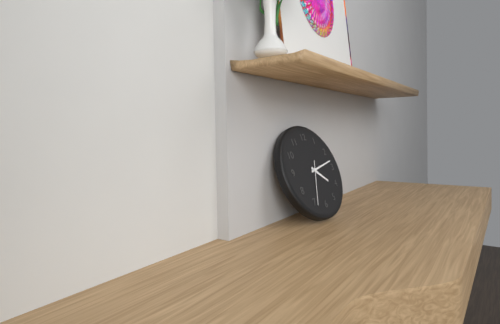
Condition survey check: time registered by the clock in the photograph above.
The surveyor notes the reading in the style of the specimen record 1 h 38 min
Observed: 4 h 13 min
